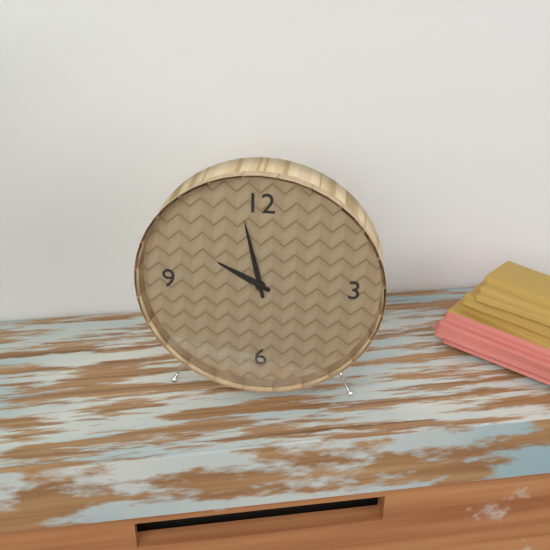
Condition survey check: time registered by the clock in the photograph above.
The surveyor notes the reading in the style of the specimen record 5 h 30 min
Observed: 9 h 58 min
